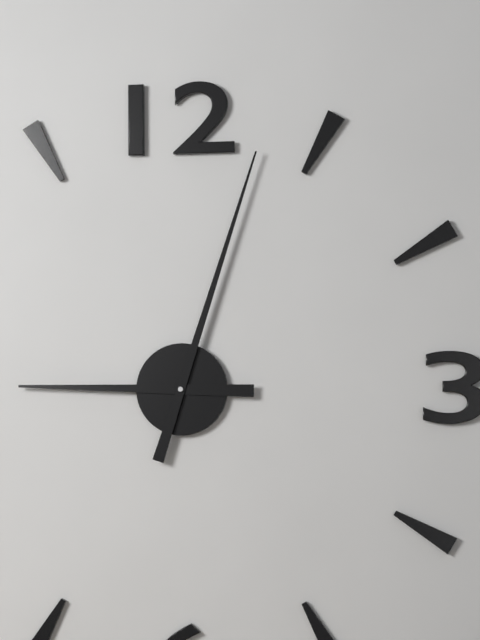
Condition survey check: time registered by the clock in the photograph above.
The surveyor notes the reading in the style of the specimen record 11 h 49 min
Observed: 9 h 03 min
